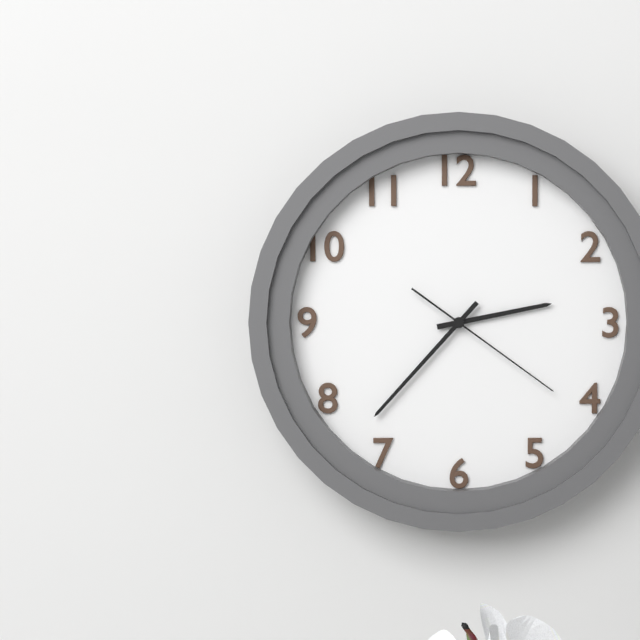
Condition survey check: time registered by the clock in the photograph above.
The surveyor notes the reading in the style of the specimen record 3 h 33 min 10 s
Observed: 2 h 37 min 21 s
